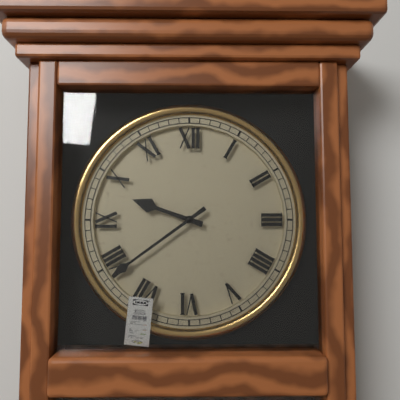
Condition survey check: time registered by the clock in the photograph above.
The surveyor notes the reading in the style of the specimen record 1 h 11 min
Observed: 9 h 39 min
